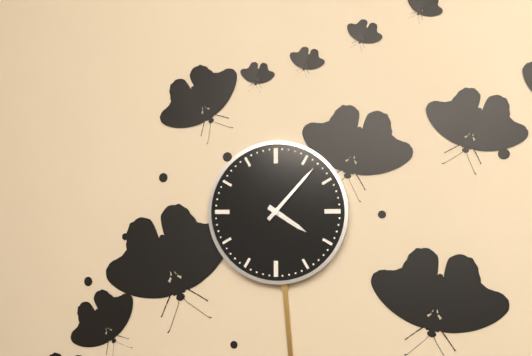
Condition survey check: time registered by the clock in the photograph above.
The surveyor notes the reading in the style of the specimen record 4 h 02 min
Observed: 4 h 07 min
